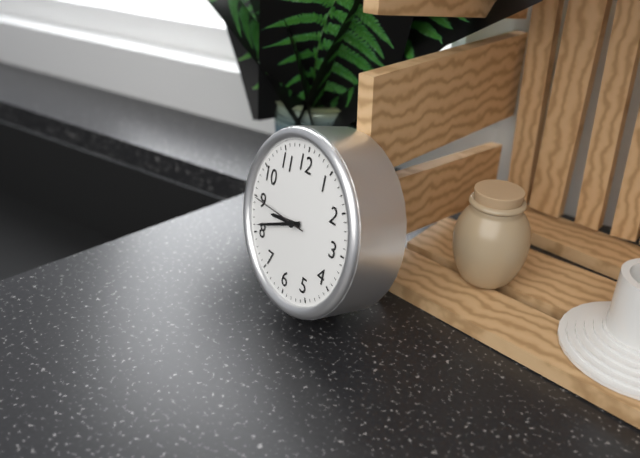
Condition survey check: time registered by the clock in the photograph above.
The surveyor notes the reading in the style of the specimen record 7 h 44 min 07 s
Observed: 8 h 41 min 45 s
